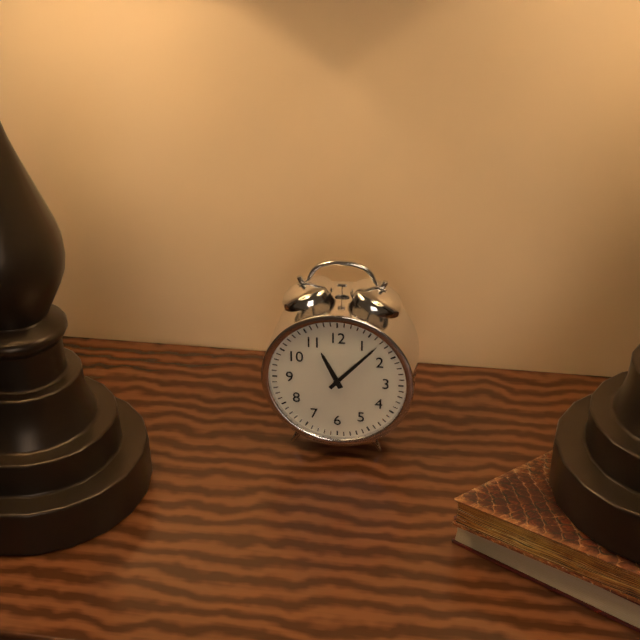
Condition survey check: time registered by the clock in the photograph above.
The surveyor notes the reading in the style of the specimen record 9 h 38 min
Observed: 11 h 07 min
